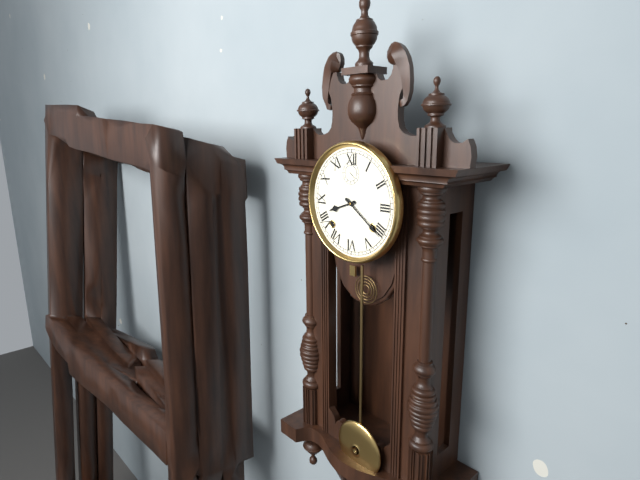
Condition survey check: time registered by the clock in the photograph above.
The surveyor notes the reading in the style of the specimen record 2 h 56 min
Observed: 8 h 21 min
